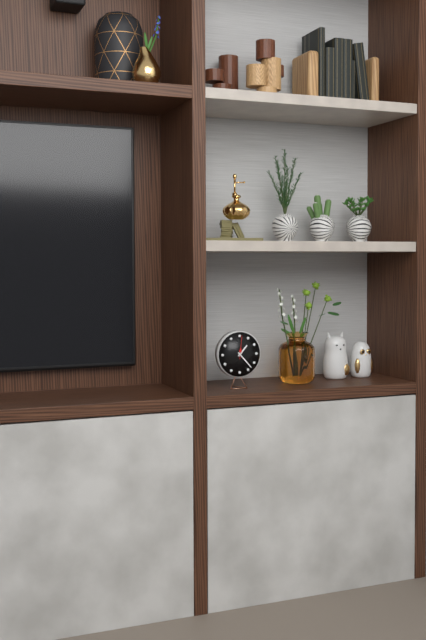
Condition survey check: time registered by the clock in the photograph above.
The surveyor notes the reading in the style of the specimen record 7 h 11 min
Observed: 1 h 23 min
